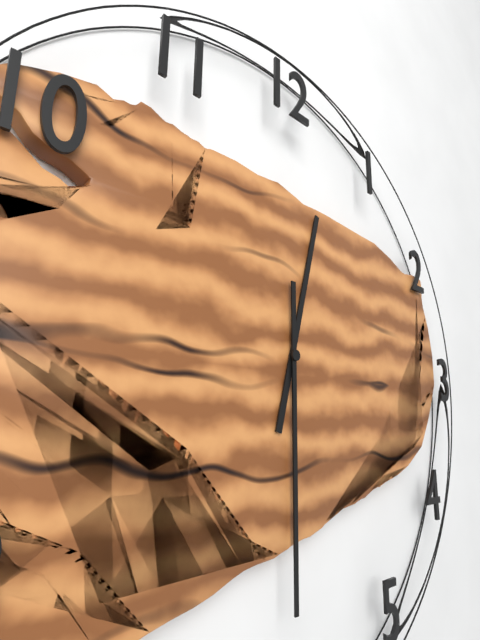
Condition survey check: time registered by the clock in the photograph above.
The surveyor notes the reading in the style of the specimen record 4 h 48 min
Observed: 12 h 30 min
